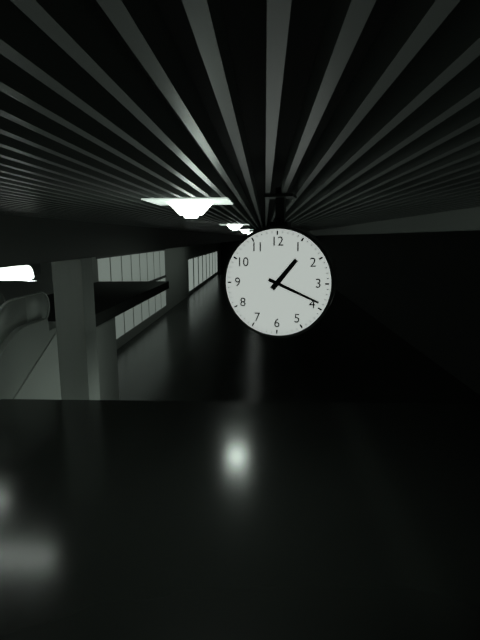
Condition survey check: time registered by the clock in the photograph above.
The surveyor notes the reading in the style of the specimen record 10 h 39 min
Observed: 1 h 19 min
